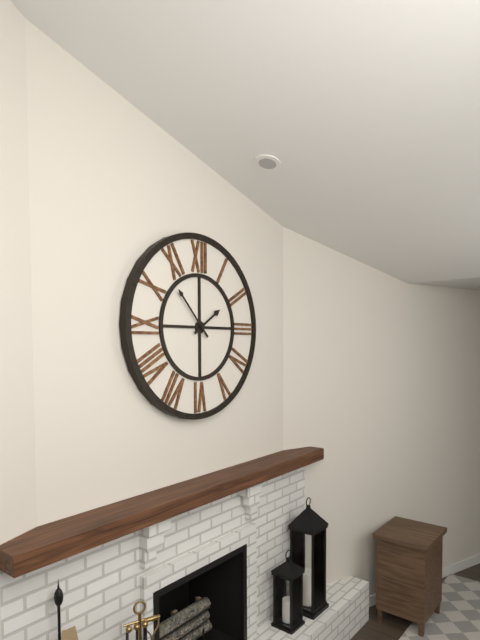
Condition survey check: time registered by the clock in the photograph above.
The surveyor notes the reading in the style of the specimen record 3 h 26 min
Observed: 1 h 53 min
